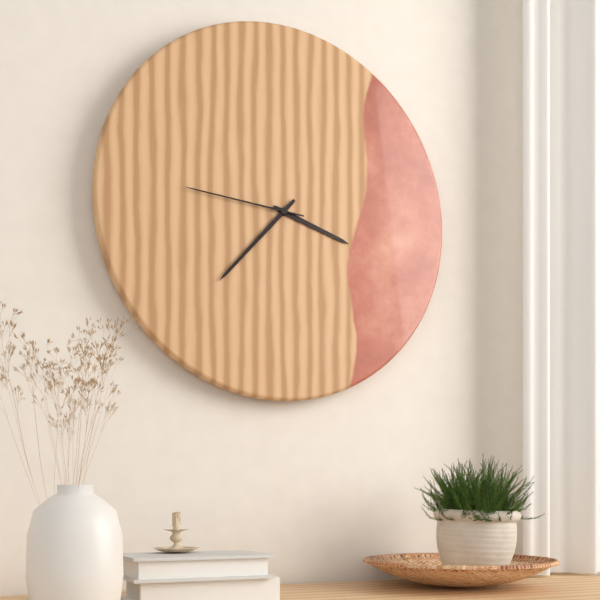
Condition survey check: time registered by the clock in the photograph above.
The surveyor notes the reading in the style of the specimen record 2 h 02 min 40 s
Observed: 3 h 37 min 46 s
